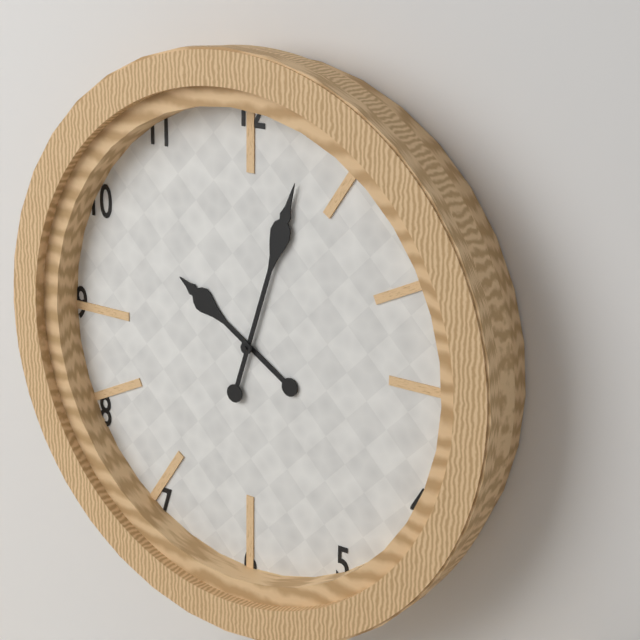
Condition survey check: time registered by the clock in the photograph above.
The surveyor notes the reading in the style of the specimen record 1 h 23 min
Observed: 10 h 03 min
